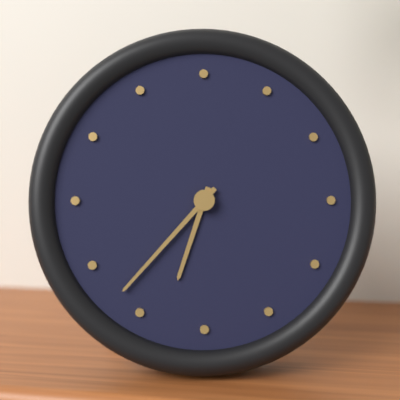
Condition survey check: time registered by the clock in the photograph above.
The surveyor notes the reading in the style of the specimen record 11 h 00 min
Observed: 6 h 37 min
